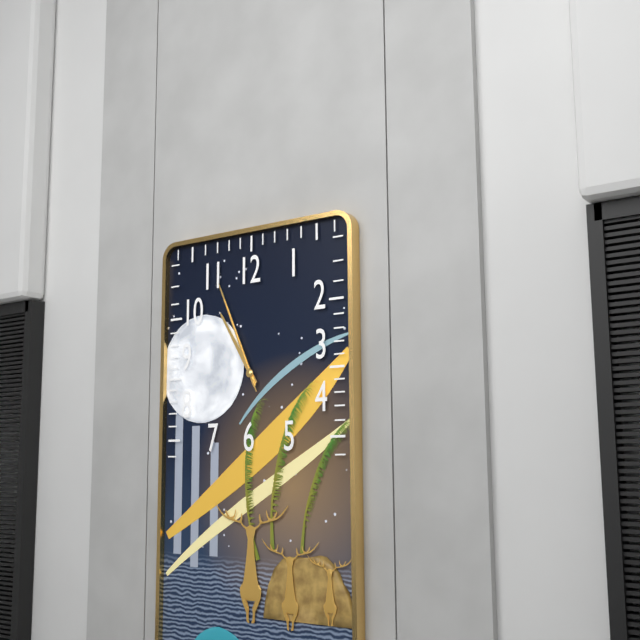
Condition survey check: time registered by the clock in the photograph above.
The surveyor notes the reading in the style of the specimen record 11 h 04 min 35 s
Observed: 10 h 56 min 56 s
